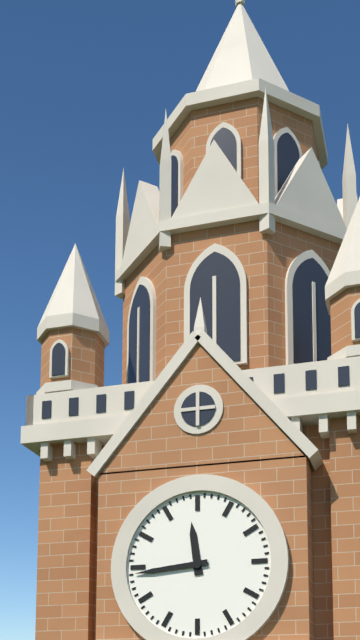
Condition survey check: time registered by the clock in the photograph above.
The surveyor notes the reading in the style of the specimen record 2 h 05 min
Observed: 11 h 44 min
